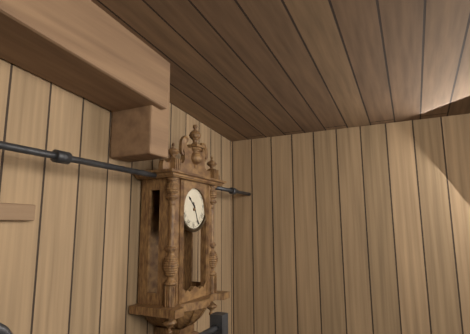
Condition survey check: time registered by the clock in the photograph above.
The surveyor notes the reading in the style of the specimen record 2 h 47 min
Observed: 10 h 26 min
